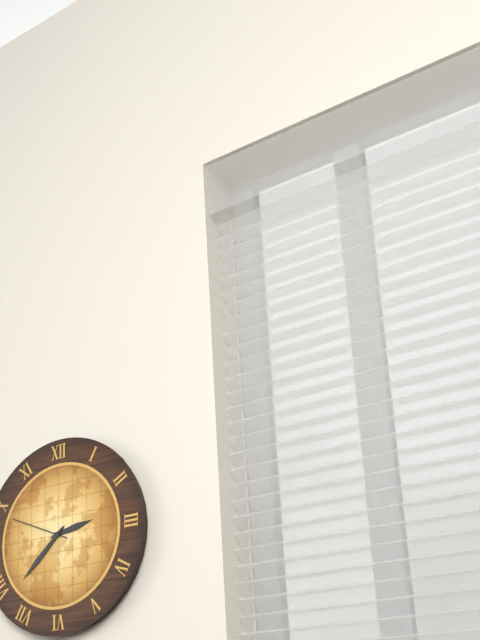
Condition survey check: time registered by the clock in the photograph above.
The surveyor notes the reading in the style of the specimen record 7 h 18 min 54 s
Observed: 2 h 38 min 49 s
